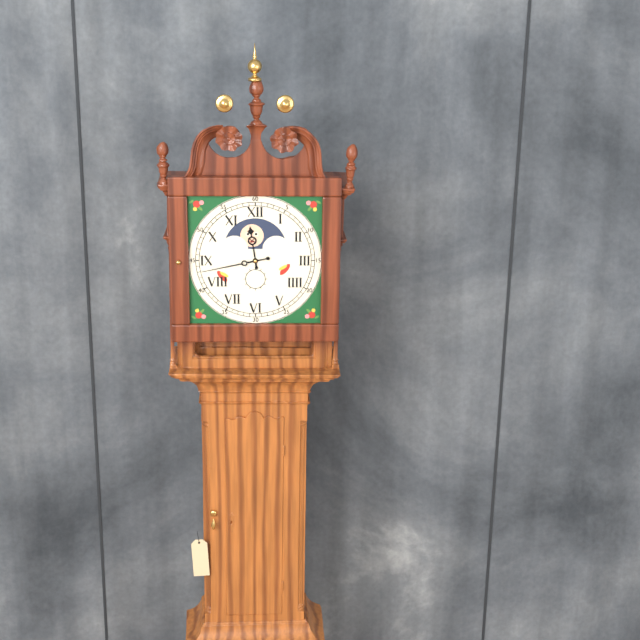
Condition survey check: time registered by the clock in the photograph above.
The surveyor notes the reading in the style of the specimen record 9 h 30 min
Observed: 11 h 43 min
